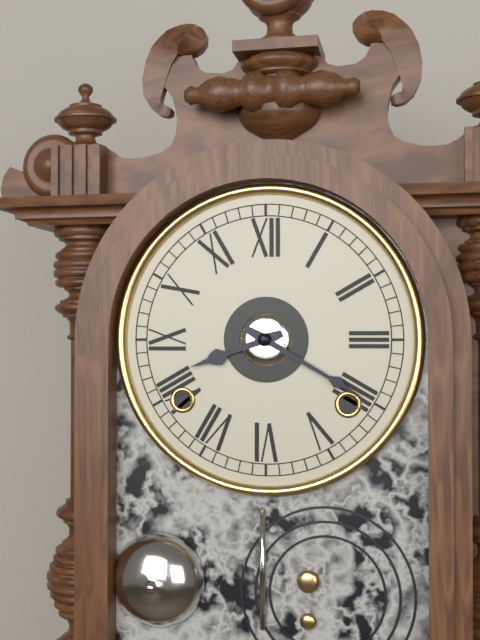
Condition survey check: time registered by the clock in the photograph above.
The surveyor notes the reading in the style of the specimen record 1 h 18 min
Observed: 8 h 20 min
